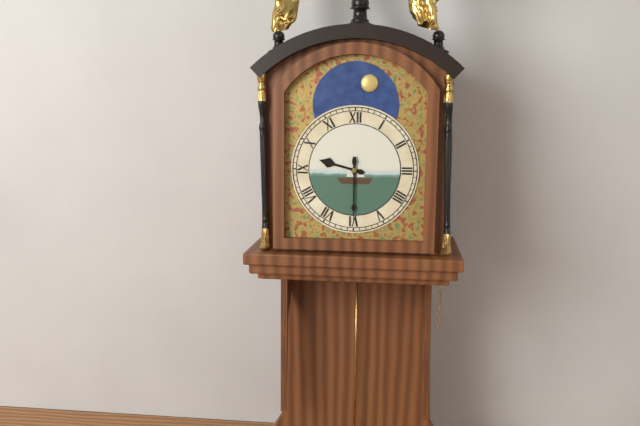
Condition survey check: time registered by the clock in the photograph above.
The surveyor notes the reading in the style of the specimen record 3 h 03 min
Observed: 9 h 30 min
